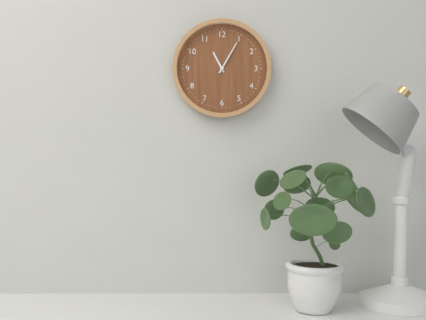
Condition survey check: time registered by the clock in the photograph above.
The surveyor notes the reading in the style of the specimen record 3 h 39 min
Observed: 11 h 05 min
